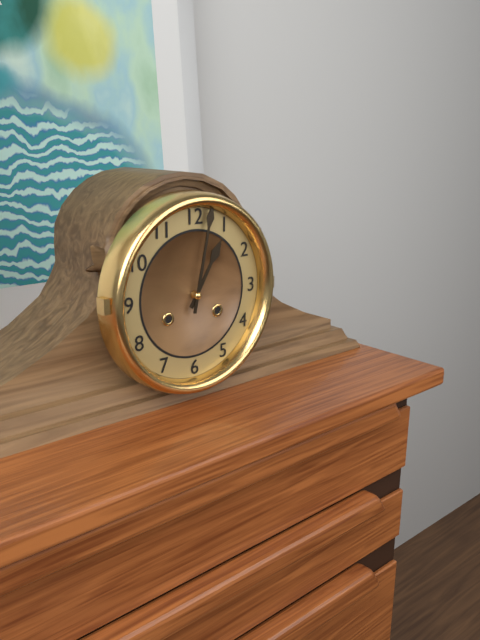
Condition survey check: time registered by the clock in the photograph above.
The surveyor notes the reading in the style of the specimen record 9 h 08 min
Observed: 1 h 02 min
